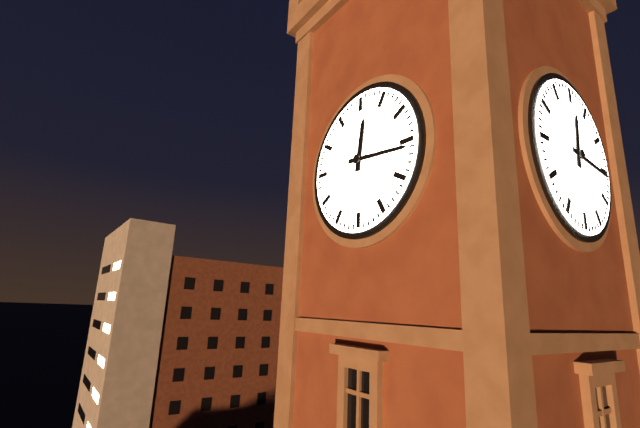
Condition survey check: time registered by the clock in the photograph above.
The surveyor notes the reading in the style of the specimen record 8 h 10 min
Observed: 12 h 16 min
